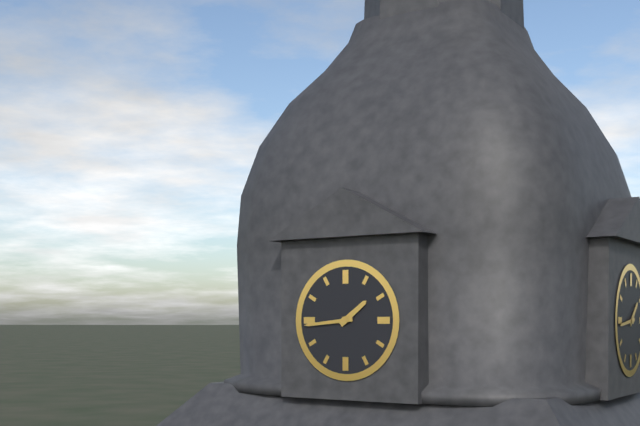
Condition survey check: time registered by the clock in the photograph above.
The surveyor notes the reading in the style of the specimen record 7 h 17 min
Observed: 1 h 44 min
